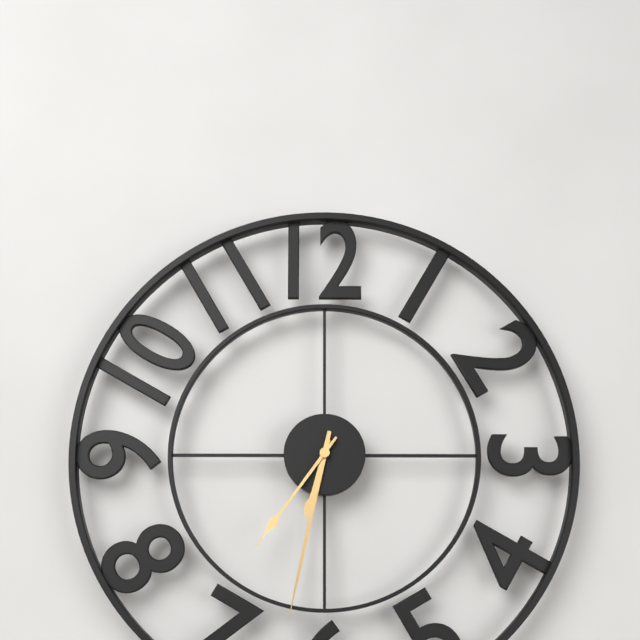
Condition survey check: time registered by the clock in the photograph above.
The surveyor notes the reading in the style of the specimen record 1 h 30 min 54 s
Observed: 6 h 32 min 36 s
